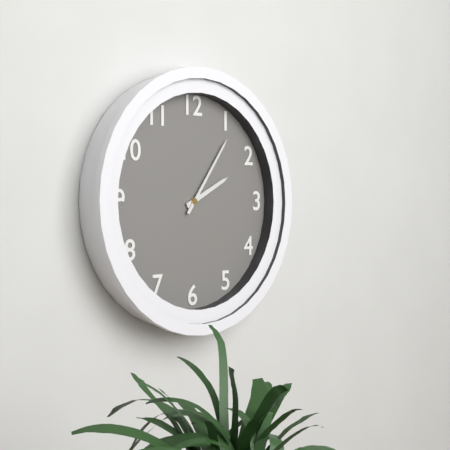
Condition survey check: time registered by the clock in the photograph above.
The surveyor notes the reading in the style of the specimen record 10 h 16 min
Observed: 2 h 06 min
